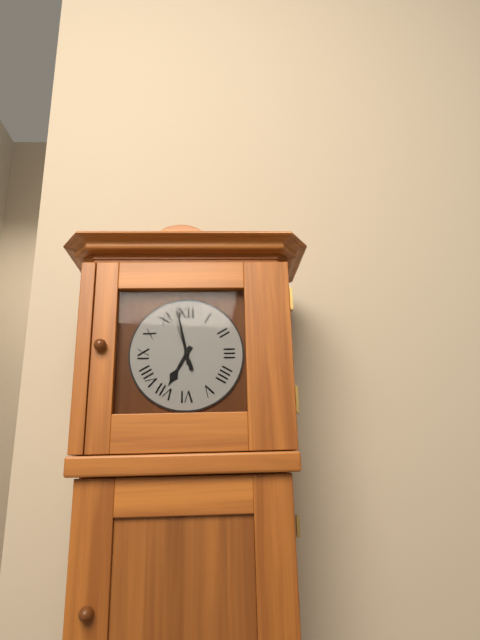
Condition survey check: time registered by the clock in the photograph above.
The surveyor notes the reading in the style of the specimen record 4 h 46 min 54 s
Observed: 6 h 58 min 57 s
